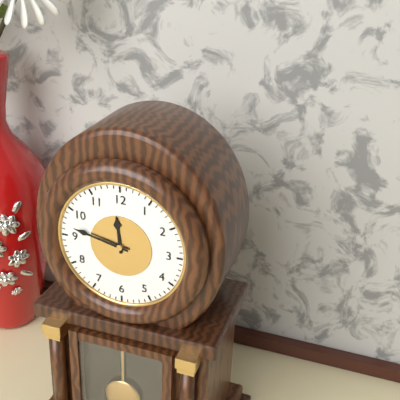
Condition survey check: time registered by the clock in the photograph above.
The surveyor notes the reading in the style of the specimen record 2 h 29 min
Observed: 11 h 47 min
